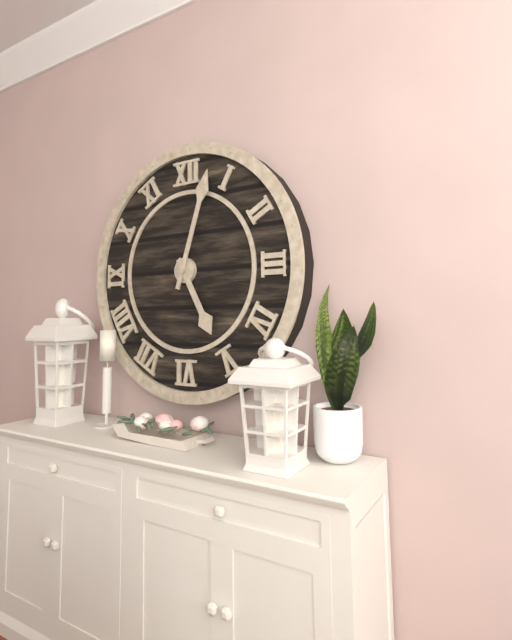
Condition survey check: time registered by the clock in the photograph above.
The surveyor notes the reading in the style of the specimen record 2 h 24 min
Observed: 5 h 03 min
